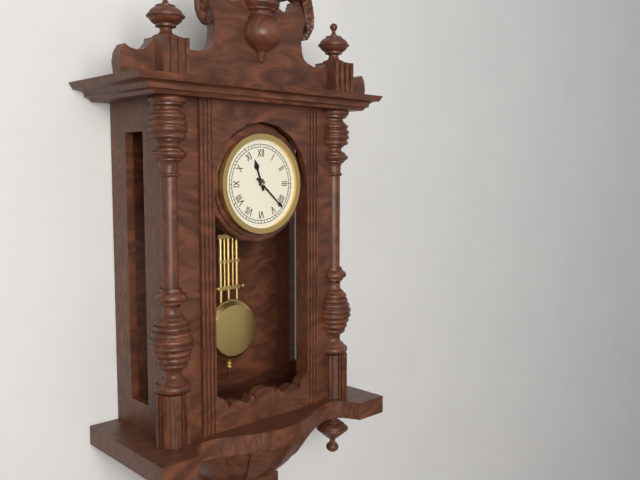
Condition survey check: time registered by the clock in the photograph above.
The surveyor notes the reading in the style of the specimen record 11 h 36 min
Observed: 11 h 22 min
